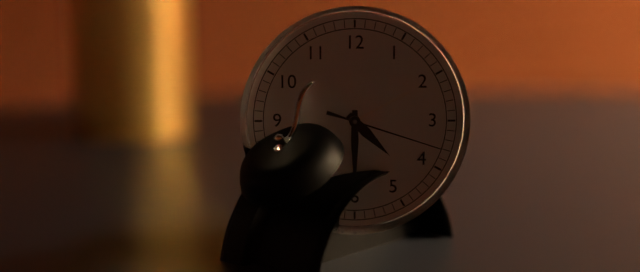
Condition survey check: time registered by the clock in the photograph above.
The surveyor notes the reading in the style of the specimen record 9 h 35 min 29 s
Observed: 4 h 30 min 18 s
